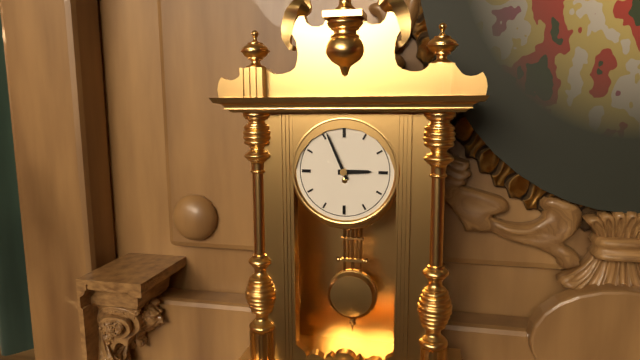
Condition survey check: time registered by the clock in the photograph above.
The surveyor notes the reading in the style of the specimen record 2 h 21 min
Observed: 2 h 56 min
